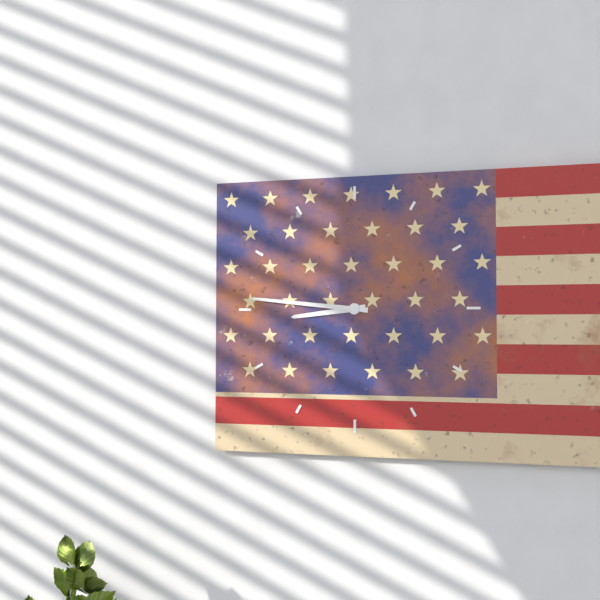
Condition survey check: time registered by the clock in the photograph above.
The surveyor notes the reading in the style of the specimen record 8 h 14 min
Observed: 8 h 46 min
